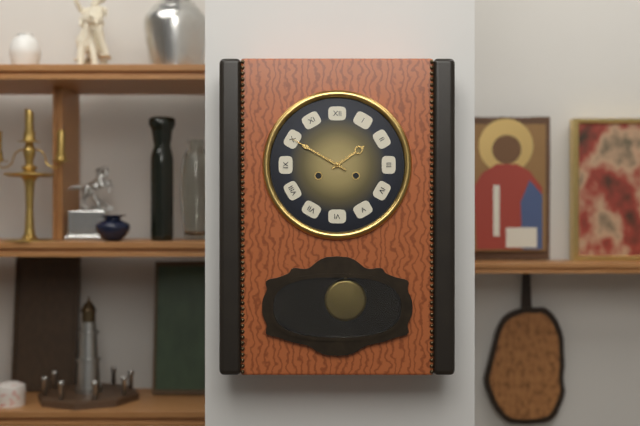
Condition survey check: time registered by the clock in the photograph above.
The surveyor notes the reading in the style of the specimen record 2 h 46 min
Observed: 1 h 50 min
